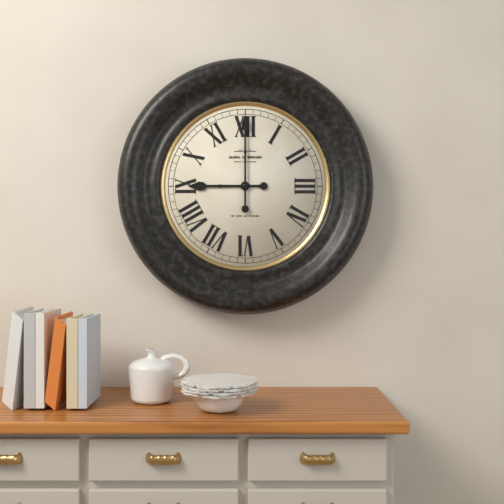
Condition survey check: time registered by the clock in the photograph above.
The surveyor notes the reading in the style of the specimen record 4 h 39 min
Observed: 9 h 00 min
